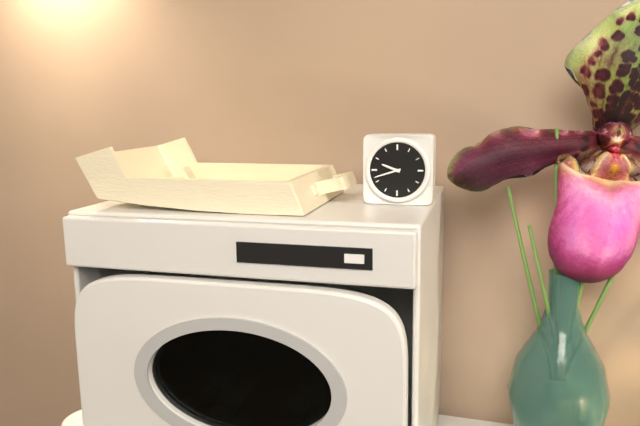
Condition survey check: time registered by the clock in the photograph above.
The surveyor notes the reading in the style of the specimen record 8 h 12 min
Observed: 9 h 42 min
